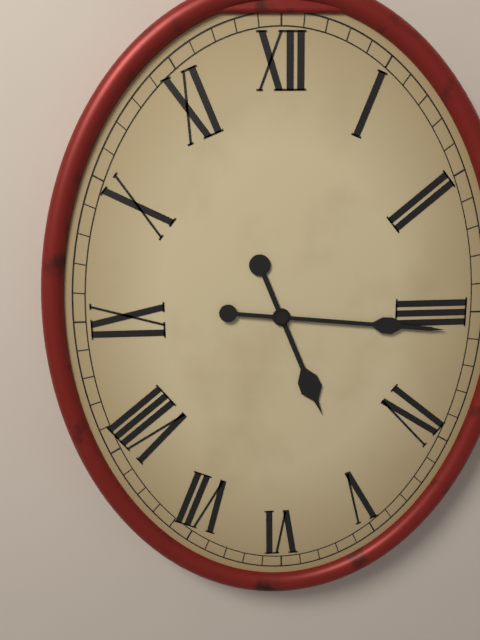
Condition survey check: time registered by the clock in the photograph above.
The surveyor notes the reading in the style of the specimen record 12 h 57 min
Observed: 5 h 16 min
